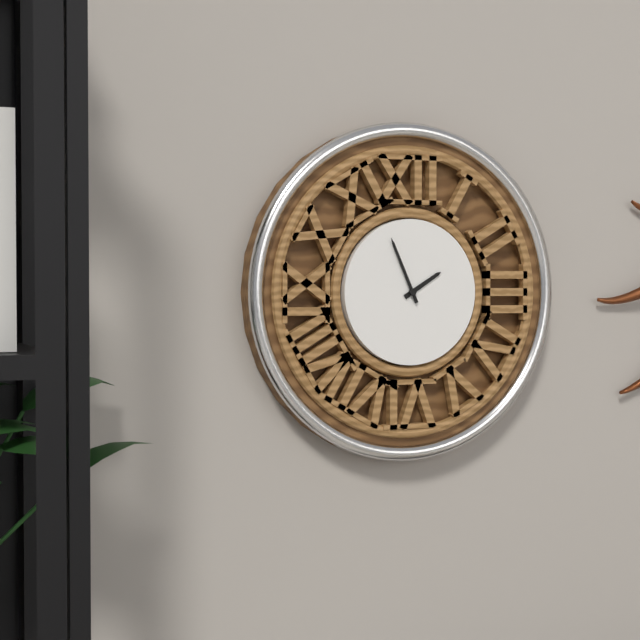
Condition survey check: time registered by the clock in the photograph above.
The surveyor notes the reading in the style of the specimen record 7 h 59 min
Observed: 1 h 56 min
